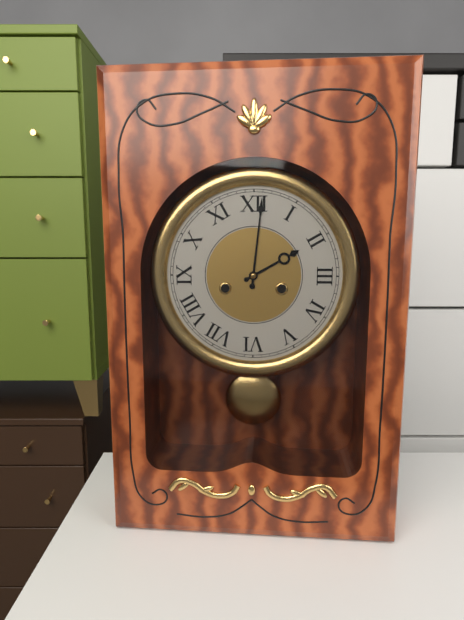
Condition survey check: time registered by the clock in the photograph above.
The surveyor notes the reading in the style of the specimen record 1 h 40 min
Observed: 2 h 01 min
